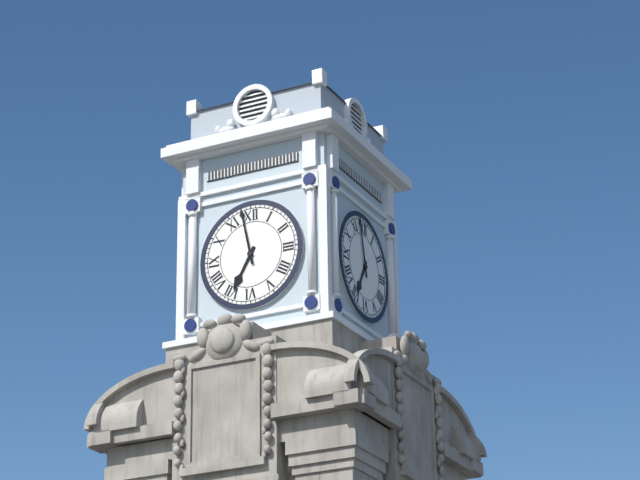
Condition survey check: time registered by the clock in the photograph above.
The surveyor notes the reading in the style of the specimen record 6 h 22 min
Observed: 6 h 58 min
